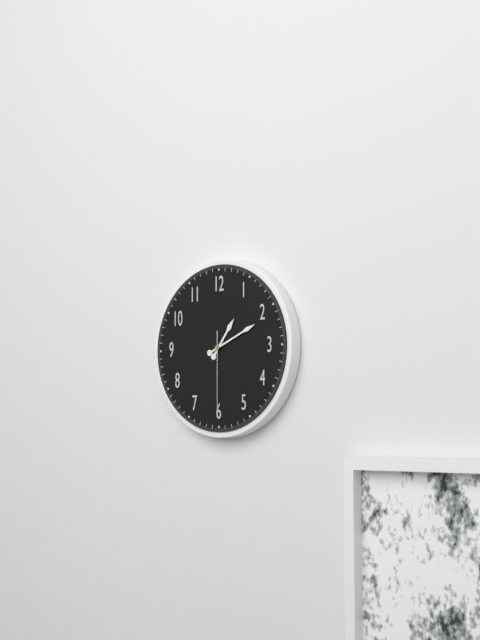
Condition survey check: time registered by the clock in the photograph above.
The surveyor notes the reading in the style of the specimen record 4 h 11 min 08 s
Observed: 1 h 11 min 30 s
